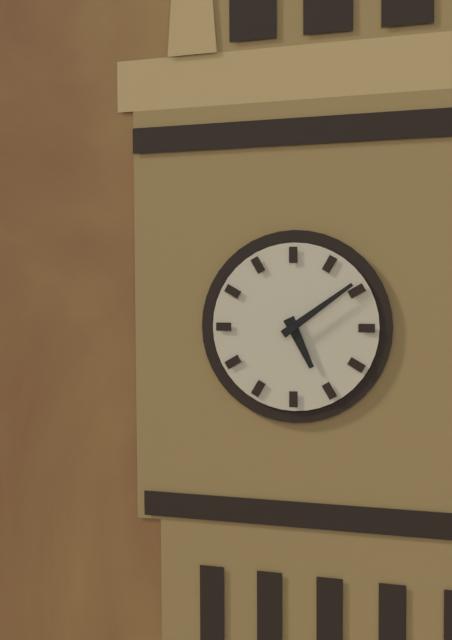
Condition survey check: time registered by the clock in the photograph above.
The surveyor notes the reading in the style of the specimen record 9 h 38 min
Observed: 5 h 09 min
